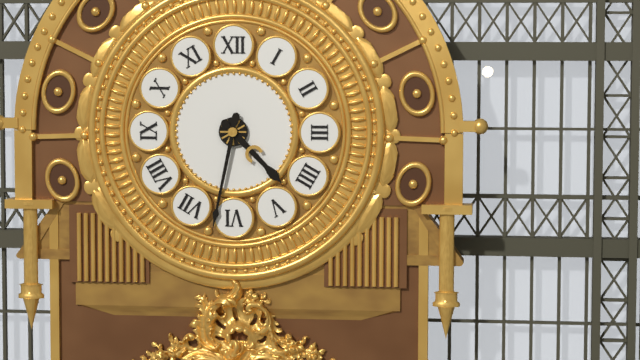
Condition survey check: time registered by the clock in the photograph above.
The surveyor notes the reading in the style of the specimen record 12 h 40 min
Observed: 4 h 32 min
